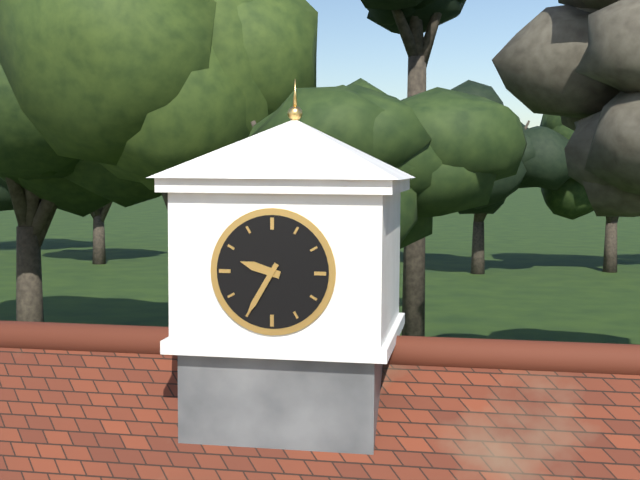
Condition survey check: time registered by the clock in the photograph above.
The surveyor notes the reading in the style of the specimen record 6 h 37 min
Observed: 9 h 35 min
